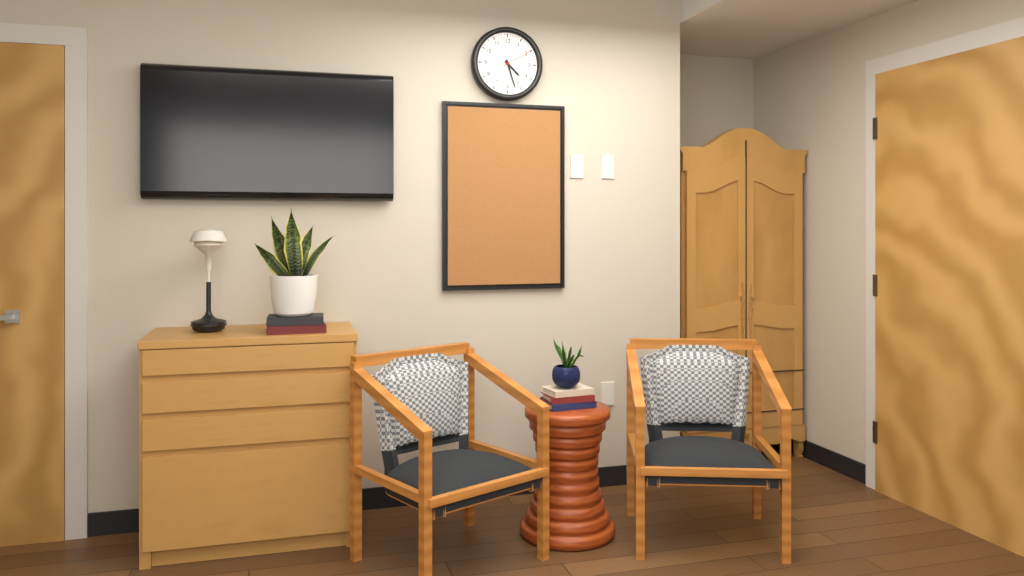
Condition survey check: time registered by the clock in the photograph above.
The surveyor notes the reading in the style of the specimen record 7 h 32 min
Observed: 4 h 27 min
